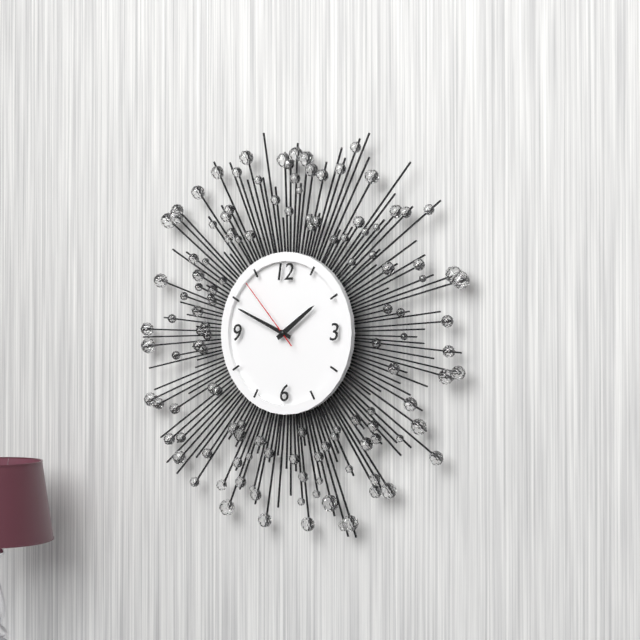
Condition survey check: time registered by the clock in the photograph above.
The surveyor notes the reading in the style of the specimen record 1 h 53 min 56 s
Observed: 1 h 49 min 53 s
